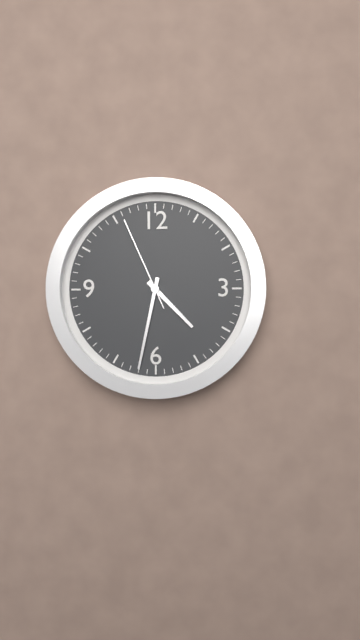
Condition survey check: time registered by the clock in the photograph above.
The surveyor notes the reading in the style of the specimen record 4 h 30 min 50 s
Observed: 4 h 32 min 56 s
